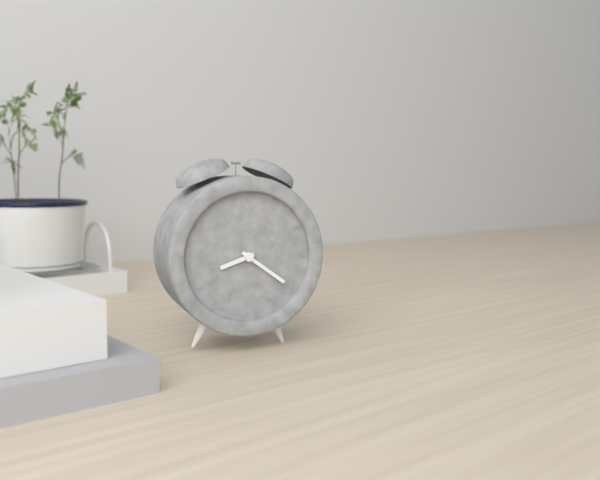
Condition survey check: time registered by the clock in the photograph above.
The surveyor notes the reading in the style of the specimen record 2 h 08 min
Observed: 8 h 21 min
